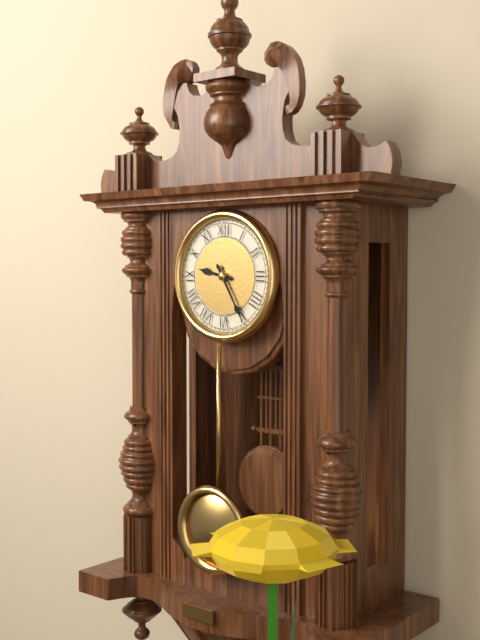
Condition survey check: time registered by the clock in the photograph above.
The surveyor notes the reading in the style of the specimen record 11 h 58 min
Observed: 9 h 25 min
